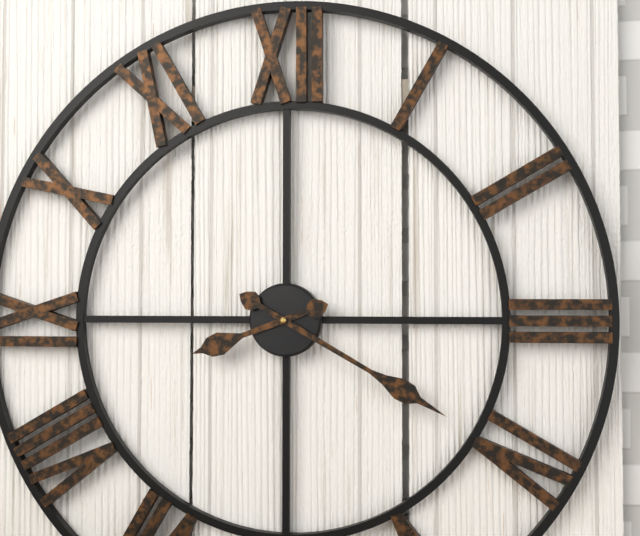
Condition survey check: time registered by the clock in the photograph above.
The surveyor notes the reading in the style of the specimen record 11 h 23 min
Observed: 8 h 20 min
